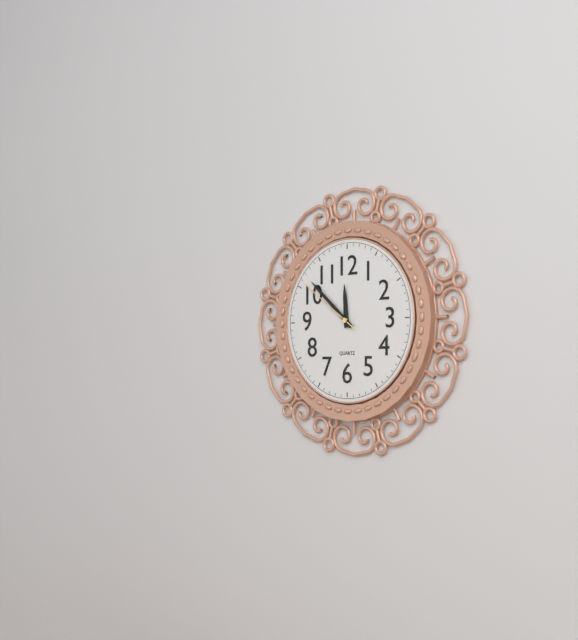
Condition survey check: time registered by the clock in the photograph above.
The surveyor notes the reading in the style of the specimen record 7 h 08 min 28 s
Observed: 11 h 52 min 51 s
